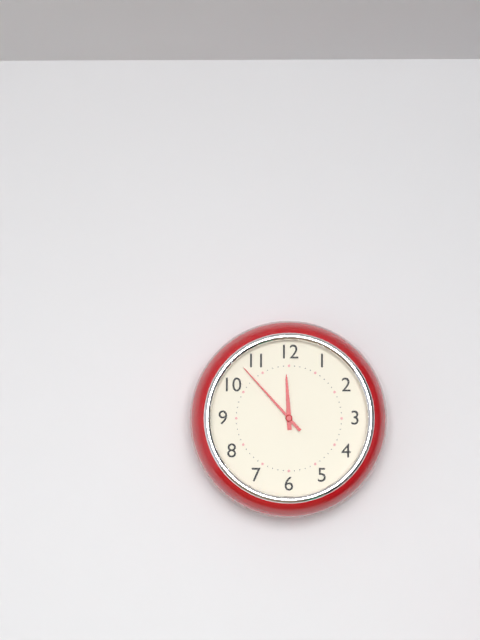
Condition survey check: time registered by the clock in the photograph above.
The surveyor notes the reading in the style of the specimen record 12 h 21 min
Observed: 11 h 53 min
